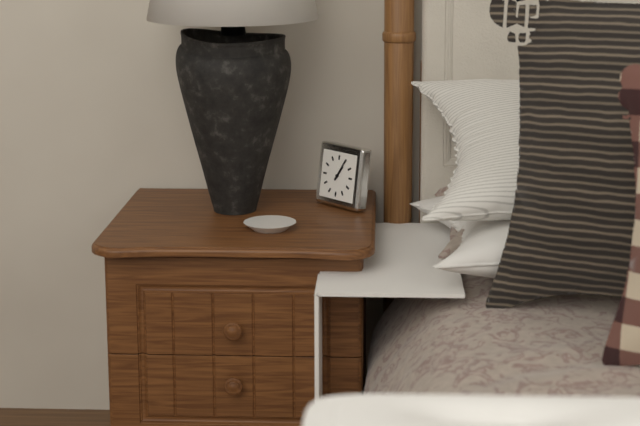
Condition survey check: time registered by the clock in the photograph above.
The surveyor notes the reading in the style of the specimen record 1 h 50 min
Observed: 1 h 05 min
